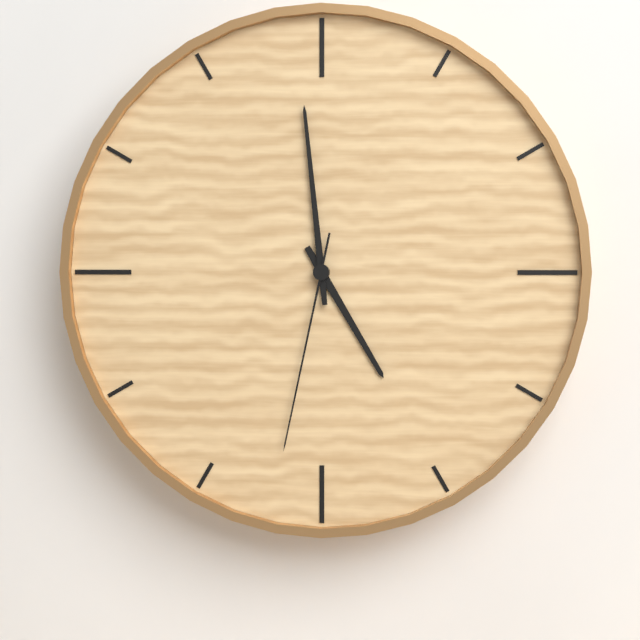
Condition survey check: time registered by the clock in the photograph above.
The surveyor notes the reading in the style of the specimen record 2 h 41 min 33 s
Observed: 4 h 59 min 32 s
